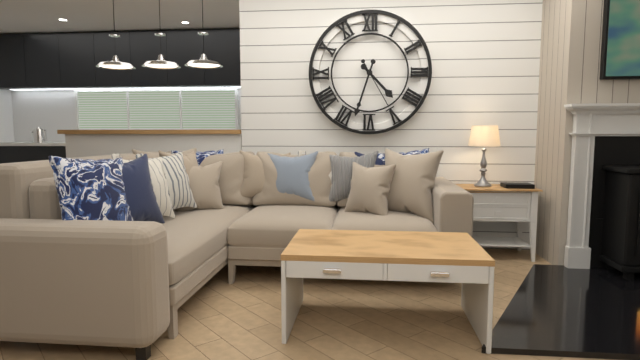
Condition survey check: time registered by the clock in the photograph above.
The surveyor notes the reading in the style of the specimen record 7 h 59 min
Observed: 4 h 33 min
